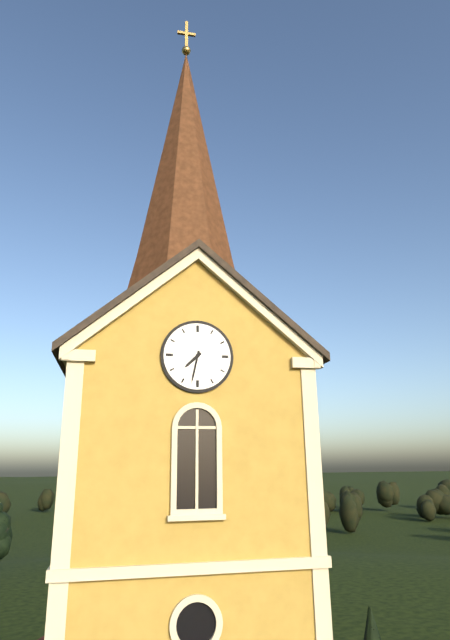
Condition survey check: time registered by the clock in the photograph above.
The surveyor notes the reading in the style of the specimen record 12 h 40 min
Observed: 7 h 32 min
